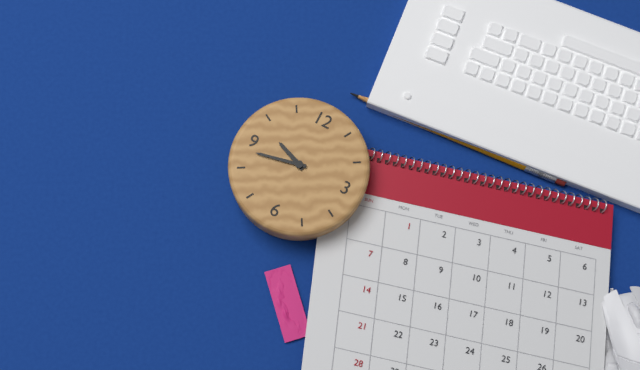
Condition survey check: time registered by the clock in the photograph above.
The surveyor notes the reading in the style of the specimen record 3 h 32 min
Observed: 9 h 43 min
